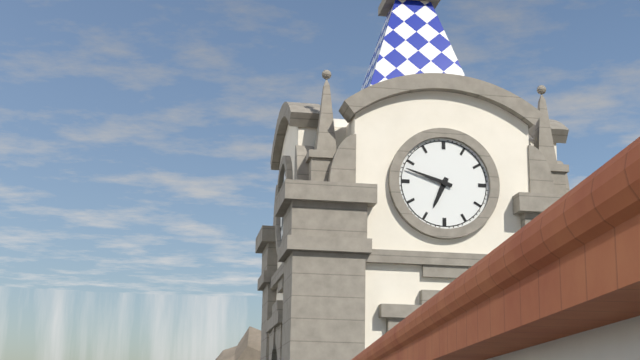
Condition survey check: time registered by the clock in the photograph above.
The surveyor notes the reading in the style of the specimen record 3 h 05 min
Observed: 6 h 48 min
